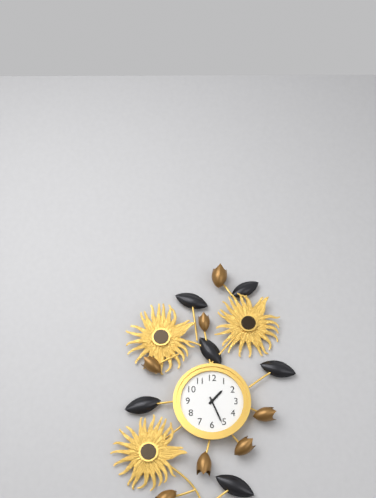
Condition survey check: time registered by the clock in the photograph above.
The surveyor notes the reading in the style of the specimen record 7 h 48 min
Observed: 1 h 26 min
